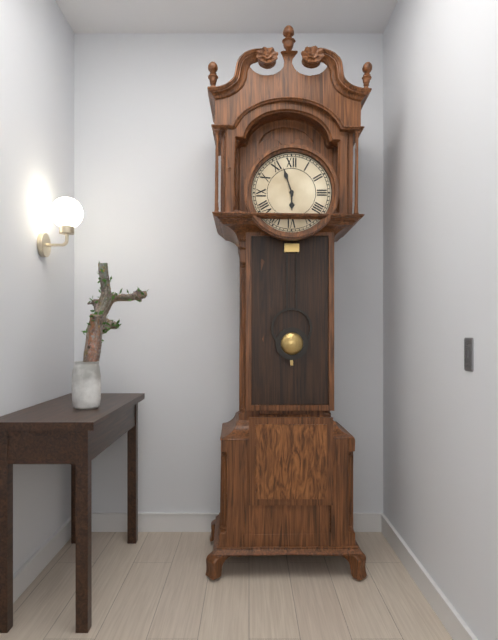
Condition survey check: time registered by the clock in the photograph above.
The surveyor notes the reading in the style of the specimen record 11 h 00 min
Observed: 5 h 57 min
